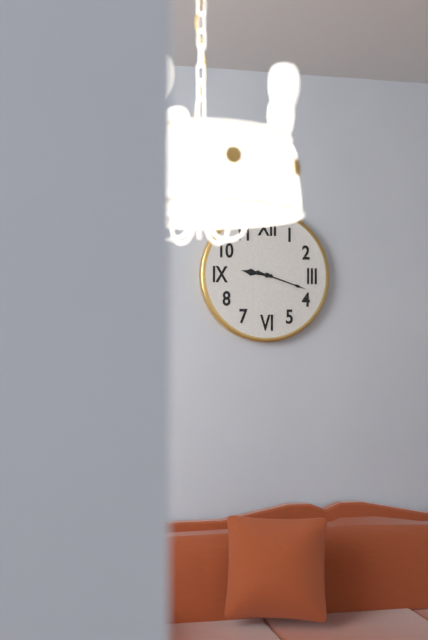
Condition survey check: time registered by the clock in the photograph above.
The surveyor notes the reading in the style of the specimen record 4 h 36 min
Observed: 9 h 18 min
